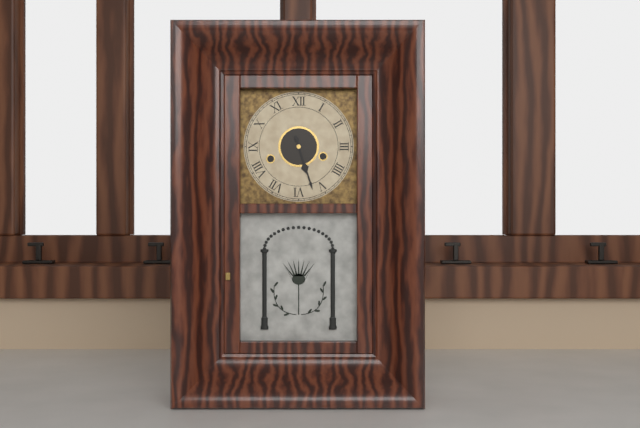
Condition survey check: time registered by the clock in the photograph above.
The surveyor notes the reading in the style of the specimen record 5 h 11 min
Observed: 5 h 27 min
